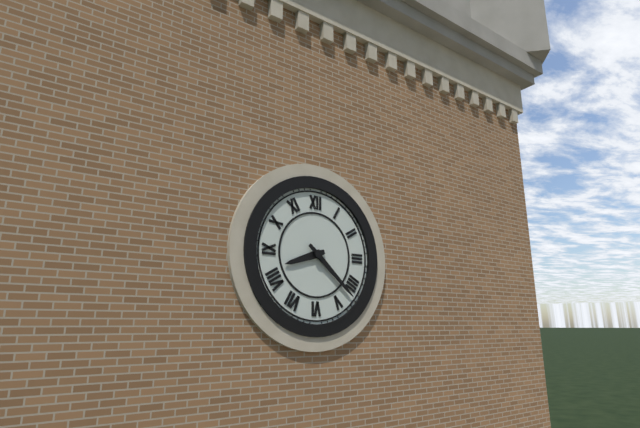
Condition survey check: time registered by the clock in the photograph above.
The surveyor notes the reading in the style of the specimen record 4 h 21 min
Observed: 8 h 22 min
